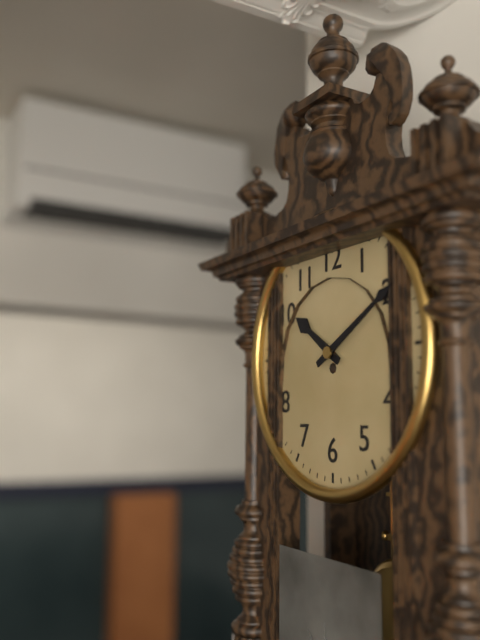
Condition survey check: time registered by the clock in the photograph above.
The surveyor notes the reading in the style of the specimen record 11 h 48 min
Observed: 10 h 10 min
